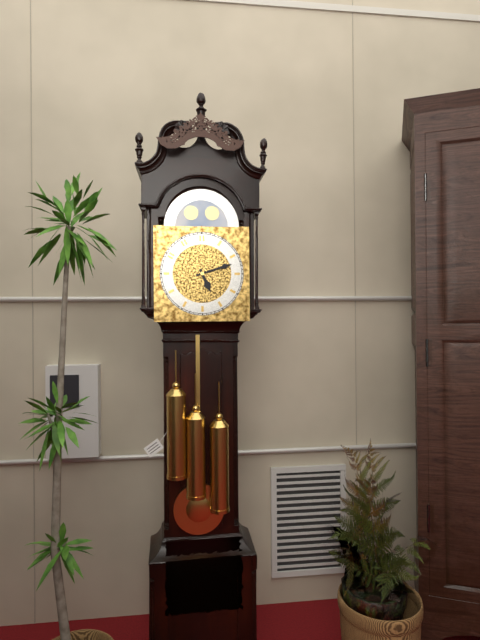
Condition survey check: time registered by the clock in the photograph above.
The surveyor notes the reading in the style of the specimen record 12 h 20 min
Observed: 5 h 12 min
